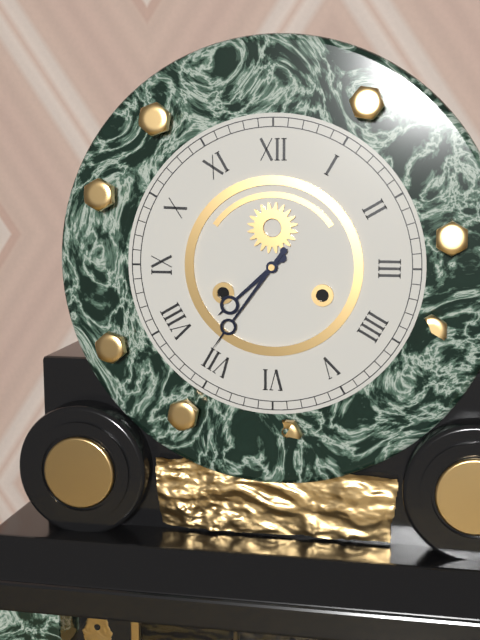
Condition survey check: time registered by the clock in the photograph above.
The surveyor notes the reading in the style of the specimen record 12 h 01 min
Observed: 7 h 36 min
